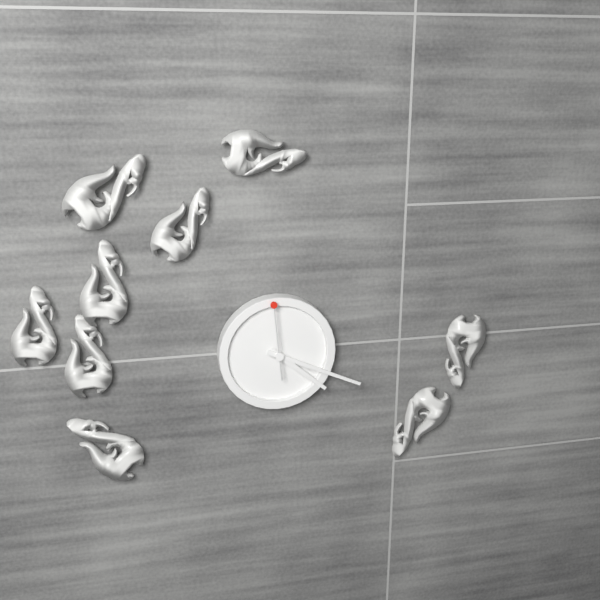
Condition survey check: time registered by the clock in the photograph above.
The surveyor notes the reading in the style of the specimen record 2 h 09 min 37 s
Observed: 4 h 19 min 59 s
